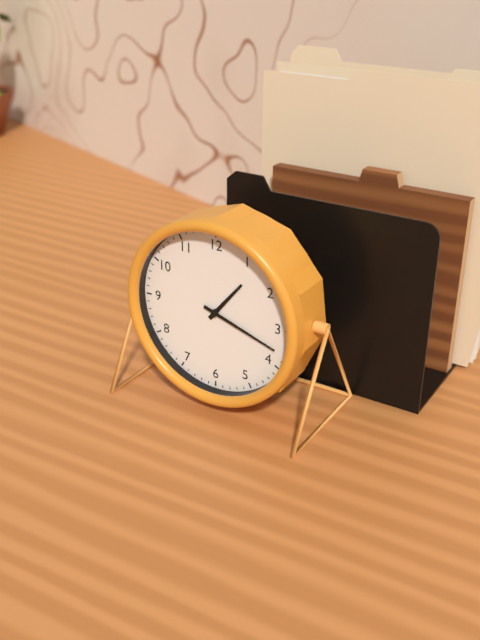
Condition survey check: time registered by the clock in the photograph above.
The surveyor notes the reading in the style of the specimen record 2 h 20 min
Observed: 1 h 18 min
